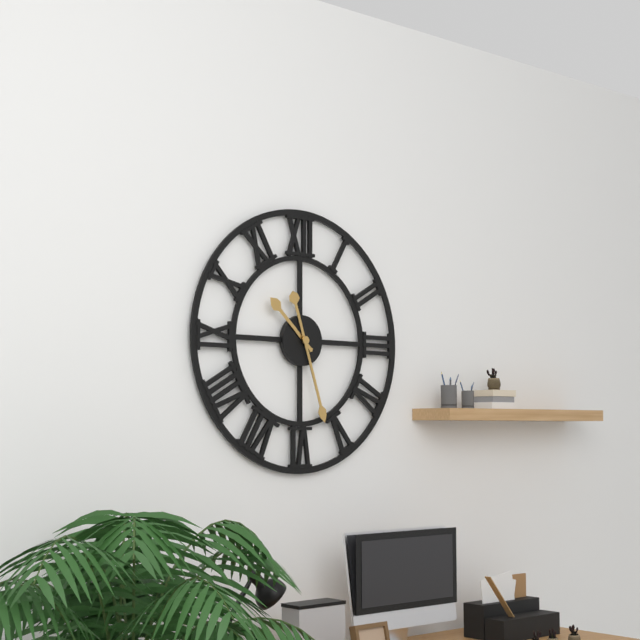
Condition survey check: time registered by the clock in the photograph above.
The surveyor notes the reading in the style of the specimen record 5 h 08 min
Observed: 10 h 27 min
